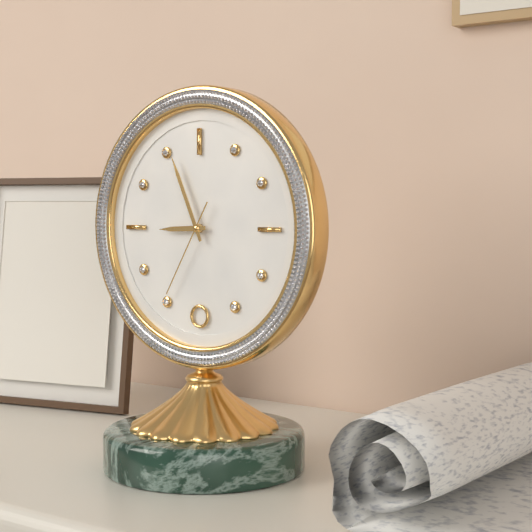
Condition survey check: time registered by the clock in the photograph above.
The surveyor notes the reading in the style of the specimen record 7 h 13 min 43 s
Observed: 8 h 56 min 35 s
